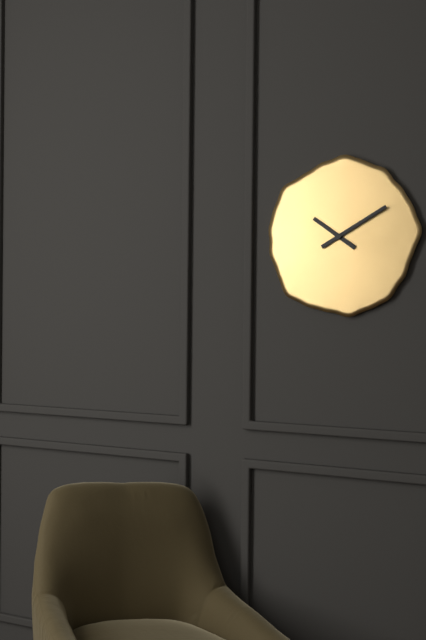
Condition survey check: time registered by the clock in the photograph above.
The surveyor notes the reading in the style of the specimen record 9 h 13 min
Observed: 10 h 10 min
